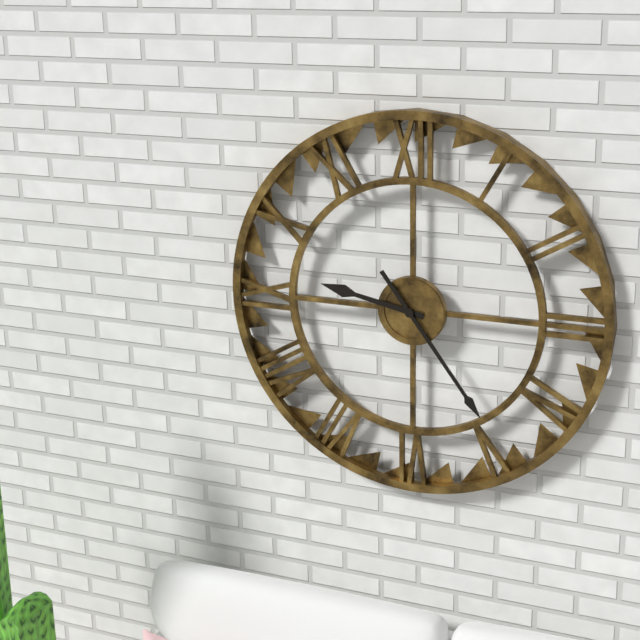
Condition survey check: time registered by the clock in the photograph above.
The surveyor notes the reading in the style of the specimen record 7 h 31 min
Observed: 9 h 24 min
